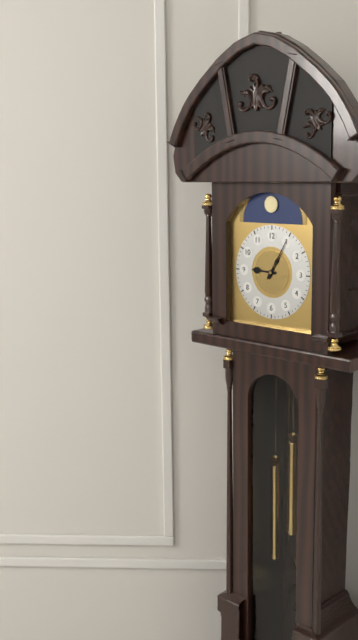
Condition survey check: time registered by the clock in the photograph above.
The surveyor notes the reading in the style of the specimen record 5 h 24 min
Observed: 9 h 05 min
